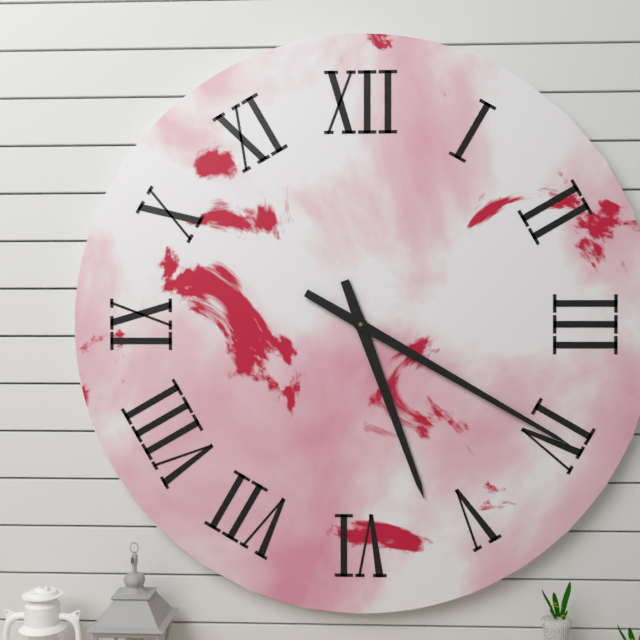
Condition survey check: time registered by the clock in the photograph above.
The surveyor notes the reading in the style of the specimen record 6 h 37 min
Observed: 5 h 20 min
